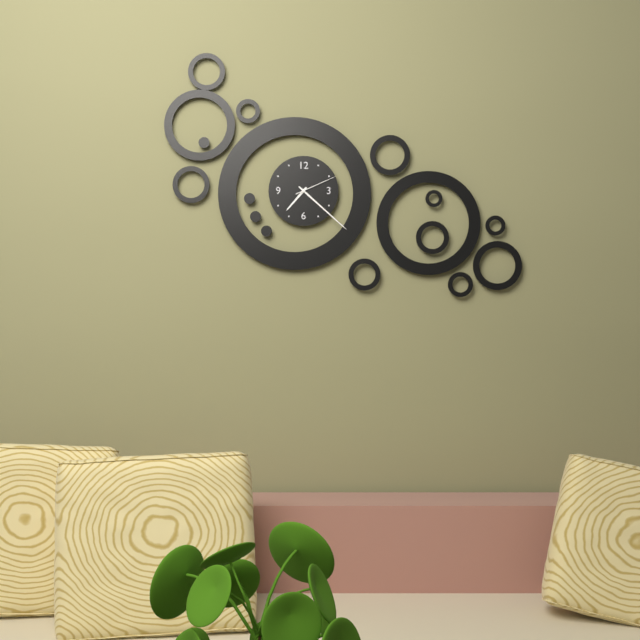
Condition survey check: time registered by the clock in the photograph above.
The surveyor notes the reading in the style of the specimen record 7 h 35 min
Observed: 7 h 22 min
